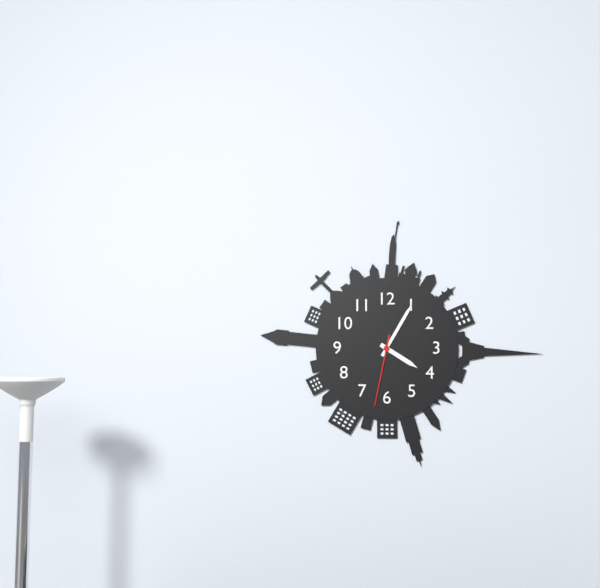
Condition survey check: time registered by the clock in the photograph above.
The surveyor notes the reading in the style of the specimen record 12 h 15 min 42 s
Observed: 4 h 05 min 32 s
